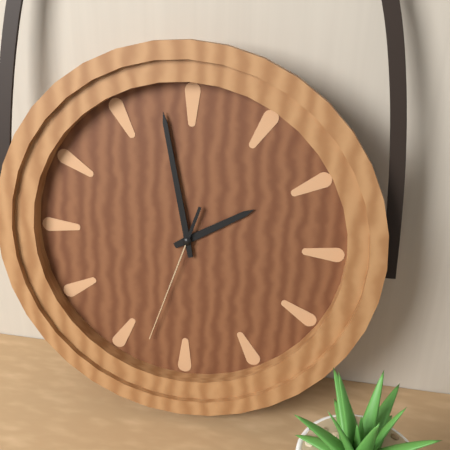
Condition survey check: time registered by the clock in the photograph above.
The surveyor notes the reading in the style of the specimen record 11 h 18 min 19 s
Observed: 1 h 58 min 33 s
